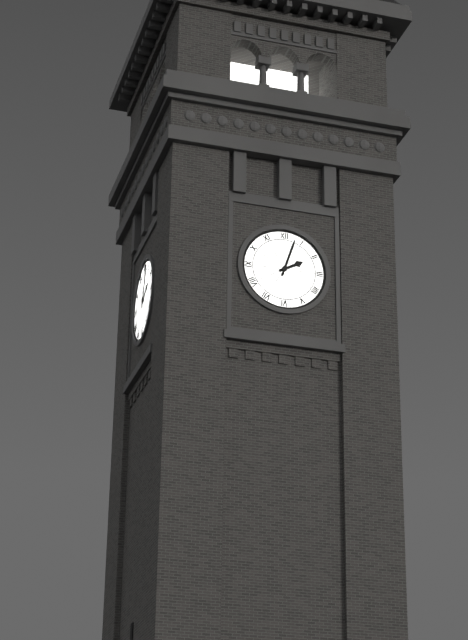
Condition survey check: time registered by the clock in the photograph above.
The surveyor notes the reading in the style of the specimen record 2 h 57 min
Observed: 2 h 03 min
